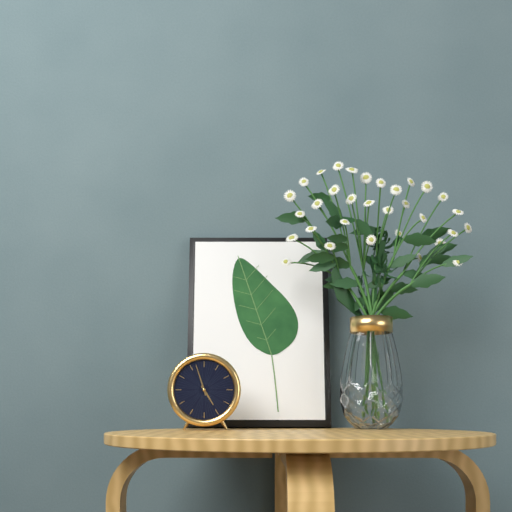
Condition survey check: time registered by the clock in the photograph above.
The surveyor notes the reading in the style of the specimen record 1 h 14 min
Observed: 4 h 57 min
